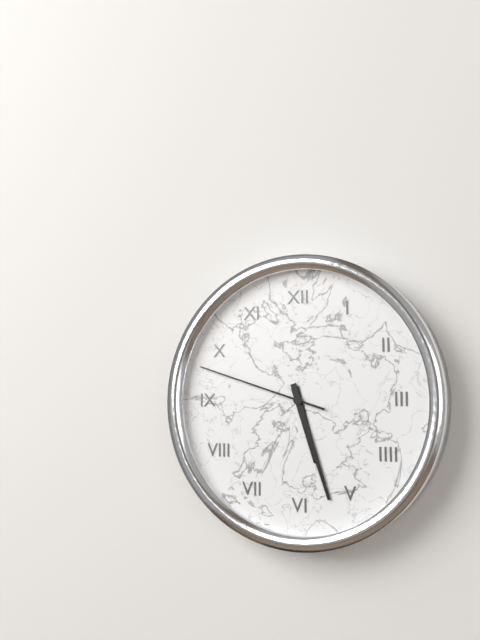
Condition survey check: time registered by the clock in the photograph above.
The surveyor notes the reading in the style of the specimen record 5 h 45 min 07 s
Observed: 5 h 27 min 48 s
